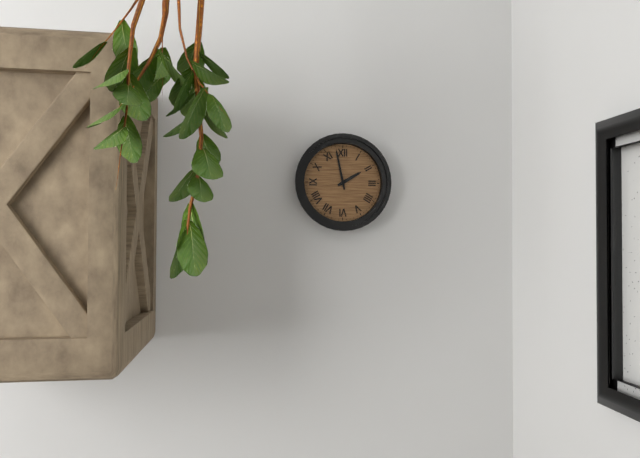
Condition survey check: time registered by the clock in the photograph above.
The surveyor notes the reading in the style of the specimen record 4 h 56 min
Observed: 1 h 58 min
